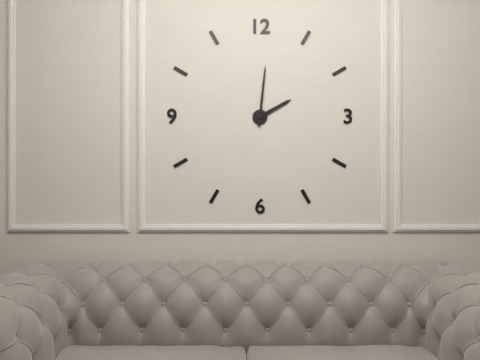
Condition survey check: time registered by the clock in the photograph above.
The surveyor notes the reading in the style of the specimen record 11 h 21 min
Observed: 2 h 01 min
